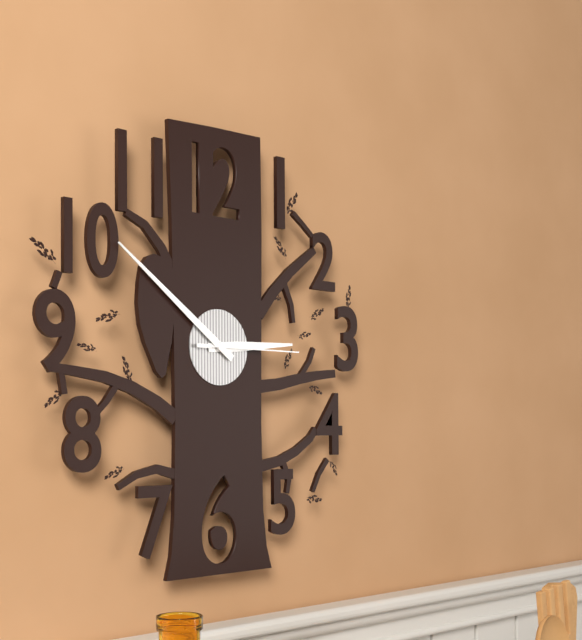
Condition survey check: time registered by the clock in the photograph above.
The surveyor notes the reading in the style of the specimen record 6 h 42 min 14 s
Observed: 2 h 51 min 15 s
